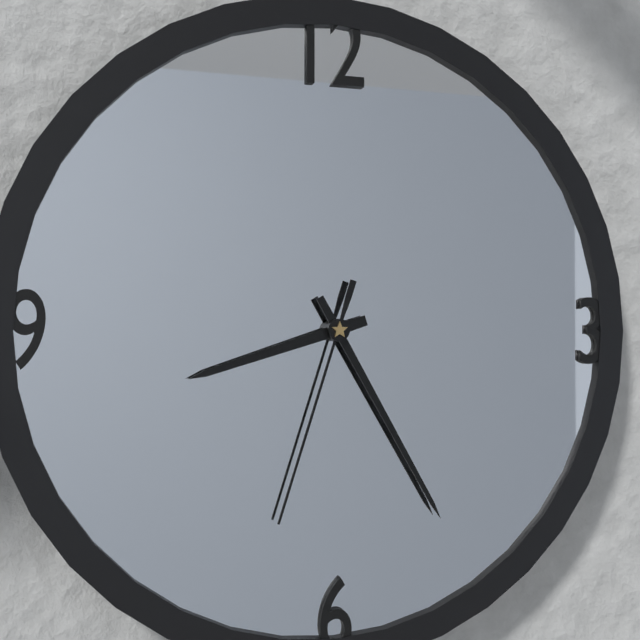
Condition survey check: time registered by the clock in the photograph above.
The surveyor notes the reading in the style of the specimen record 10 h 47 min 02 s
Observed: 8 h 25 min 33 s
